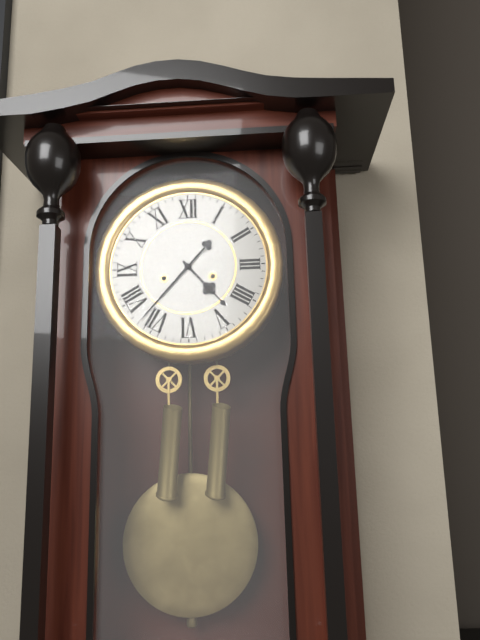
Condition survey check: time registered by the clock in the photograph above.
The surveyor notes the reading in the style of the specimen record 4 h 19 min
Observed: 4 h 37 min
